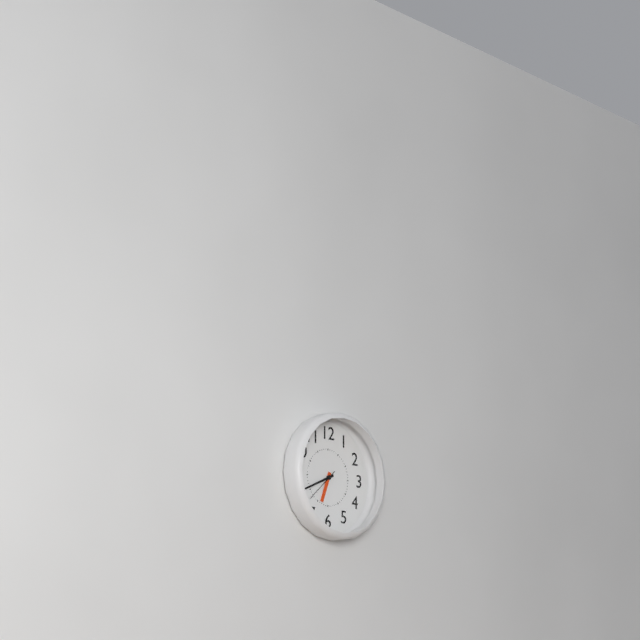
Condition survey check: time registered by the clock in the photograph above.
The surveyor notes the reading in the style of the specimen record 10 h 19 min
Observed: 6 h 41 min
